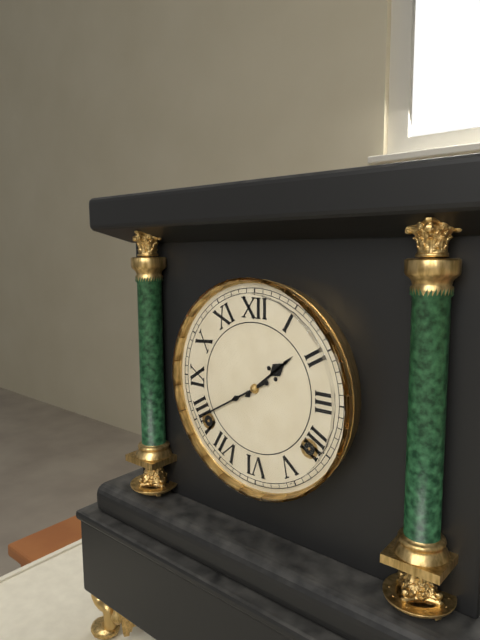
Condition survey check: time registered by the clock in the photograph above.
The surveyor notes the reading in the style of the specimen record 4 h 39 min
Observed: 1 h 40 min
